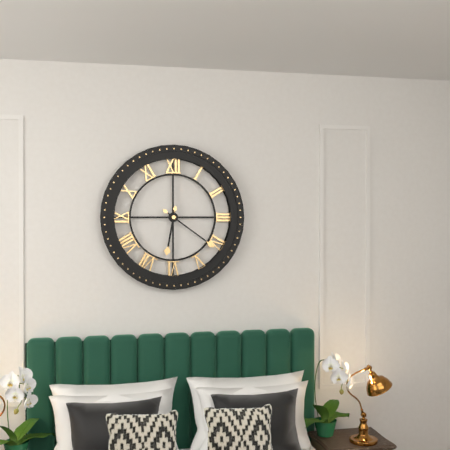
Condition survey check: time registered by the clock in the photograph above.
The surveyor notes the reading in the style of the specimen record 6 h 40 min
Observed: 6 h 21 min
